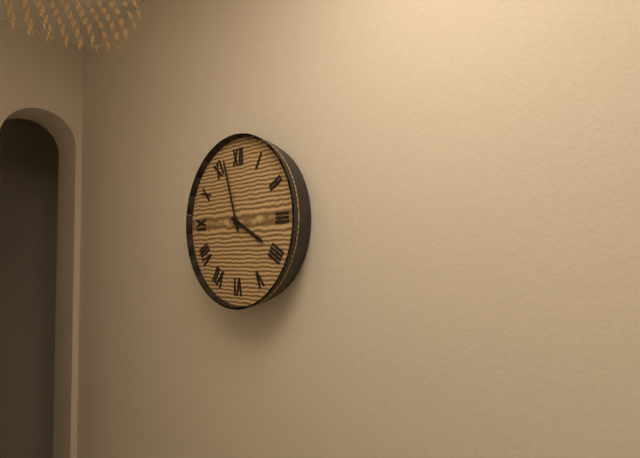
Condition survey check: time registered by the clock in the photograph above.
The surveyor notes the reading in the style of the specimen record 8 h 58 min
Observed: 3 h 57 min
